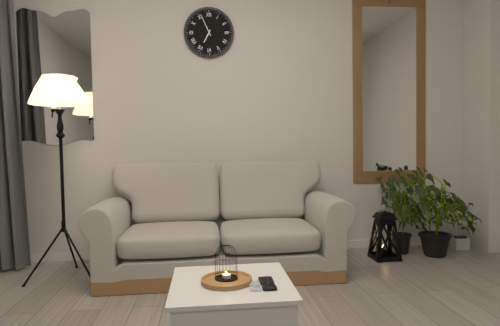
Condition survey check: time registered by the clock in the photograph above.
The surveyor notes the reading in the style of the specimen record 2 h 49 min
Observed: 6 h 56 min
